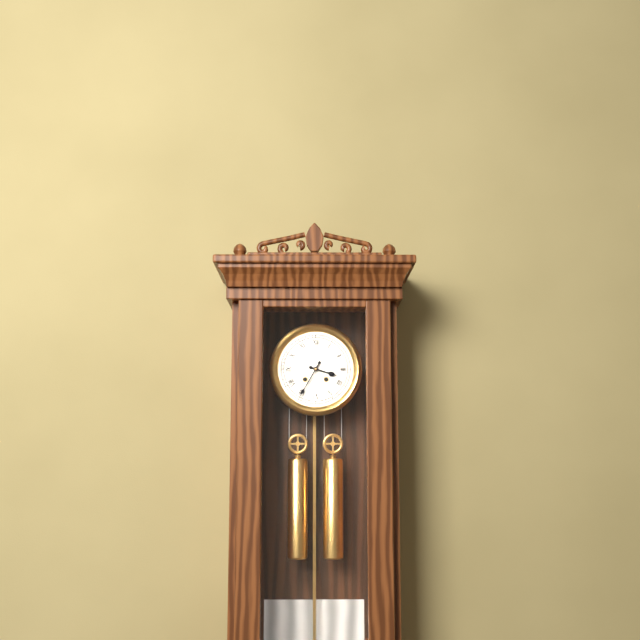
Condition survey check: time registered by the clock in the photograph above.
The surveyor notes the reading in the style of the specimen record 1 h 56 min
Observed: 3 h 35 min
